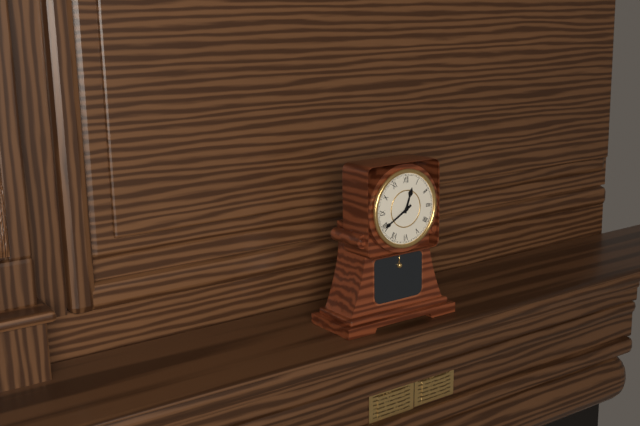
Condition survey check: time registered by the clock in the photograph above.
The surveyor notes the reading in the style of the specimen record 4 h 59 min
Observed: 12 h 40 min
